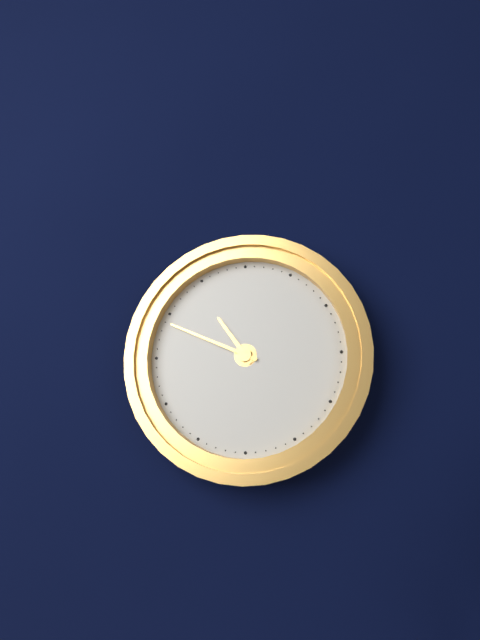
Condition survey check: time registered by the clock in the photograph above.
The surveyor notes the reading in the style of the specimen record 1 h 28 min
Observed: 10 h 49 min
